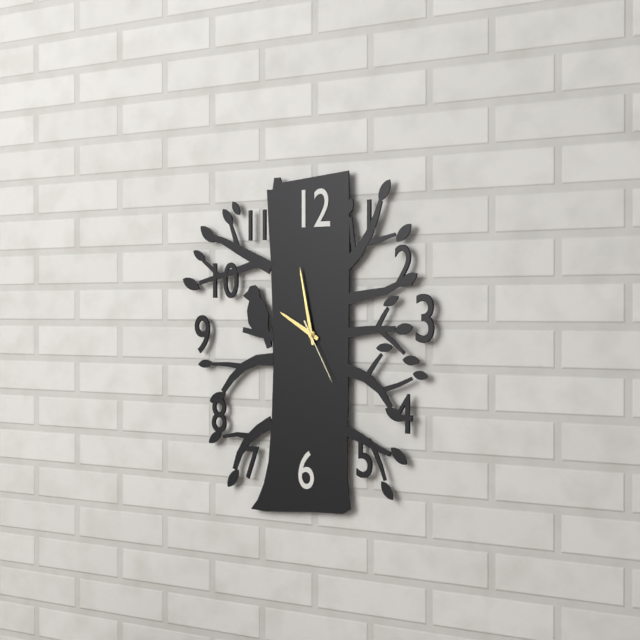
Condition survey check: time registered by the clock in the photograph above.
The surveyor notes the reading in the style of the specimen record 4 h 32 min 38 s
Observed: 9 h 58 min 25 s
